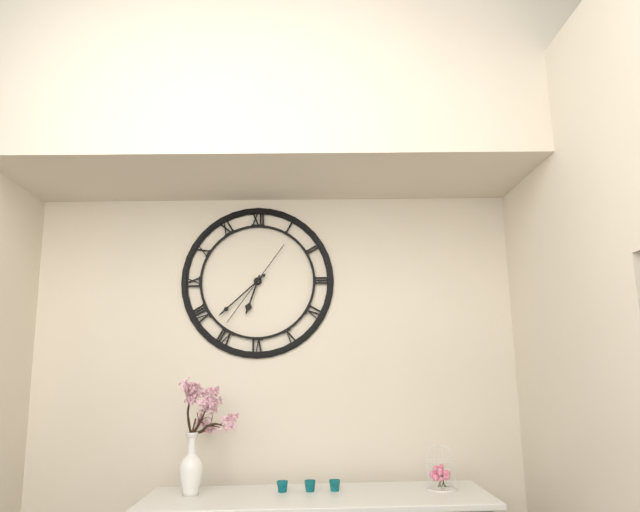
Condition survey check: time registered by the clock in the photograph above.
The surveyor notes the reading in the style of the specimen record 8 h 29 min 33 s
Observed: 6 h 38 min 36 s
